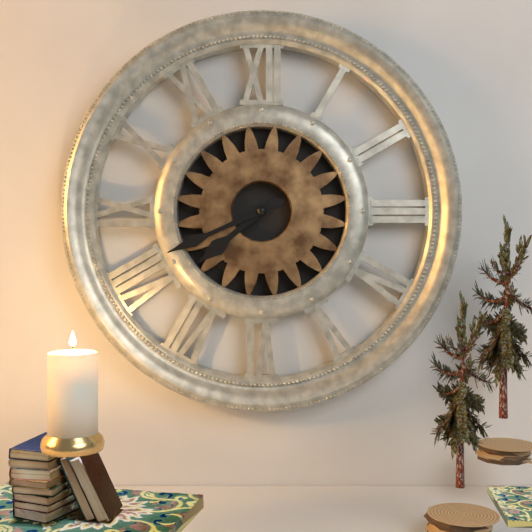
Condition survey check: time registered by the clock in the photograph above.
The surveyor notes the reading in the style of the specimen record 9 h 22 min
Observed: 7 h 41 min
